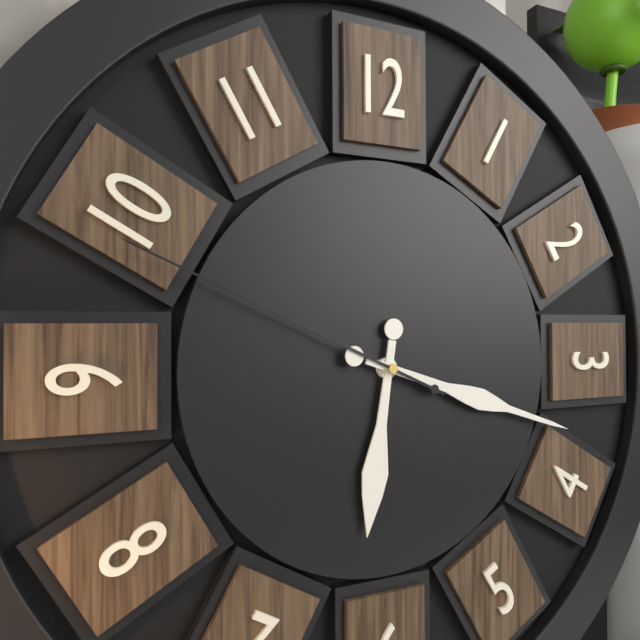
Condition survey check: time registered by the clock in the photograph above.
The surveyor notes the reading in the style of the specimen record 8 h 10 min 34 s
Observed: 6 h 18 min 49 s
